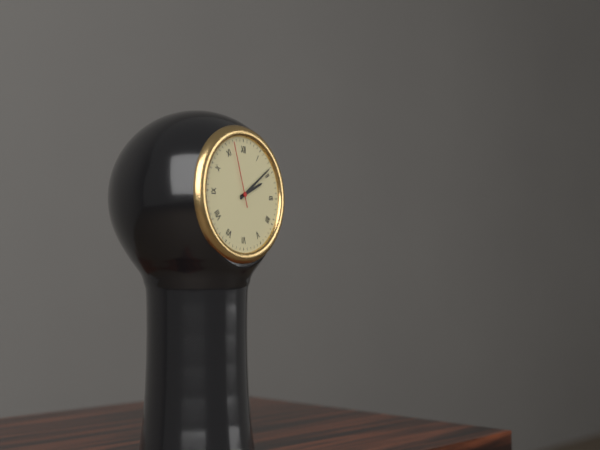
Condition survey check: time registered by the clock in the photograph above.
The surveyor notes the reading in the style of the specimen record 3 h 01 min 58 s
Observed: 2 h 09 min 57 s
